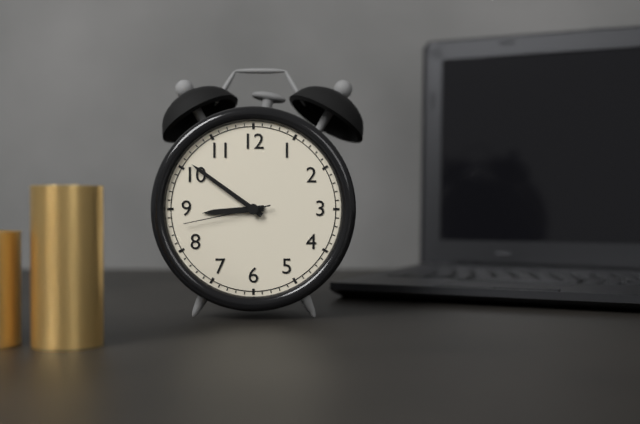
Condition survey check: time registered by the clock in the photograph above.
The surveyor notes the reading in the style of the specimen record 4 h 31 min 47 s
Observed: 8 h 51 min 43 s
